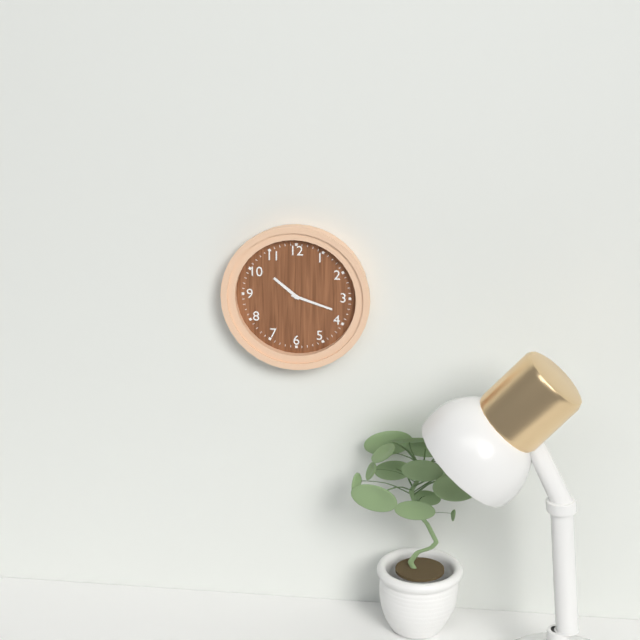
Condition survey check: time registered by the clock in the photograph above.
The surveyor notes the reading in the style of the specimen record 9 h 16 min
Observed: 10 h 18 min
